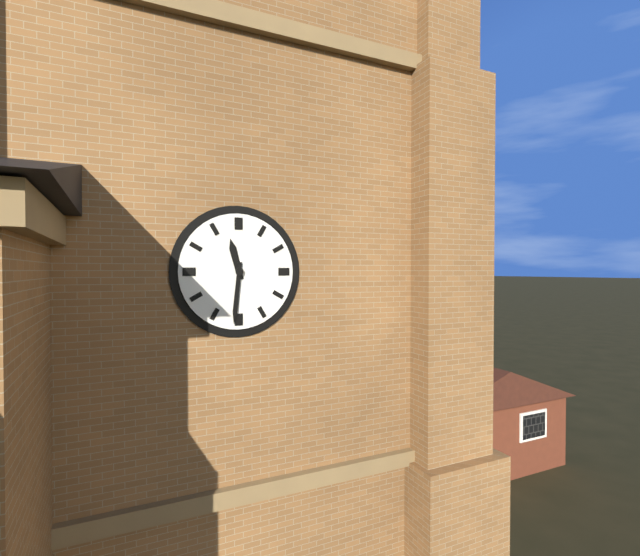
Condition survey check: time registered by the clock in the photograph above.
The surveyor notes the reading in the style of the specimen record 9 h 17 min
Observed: 11 h 31 min
